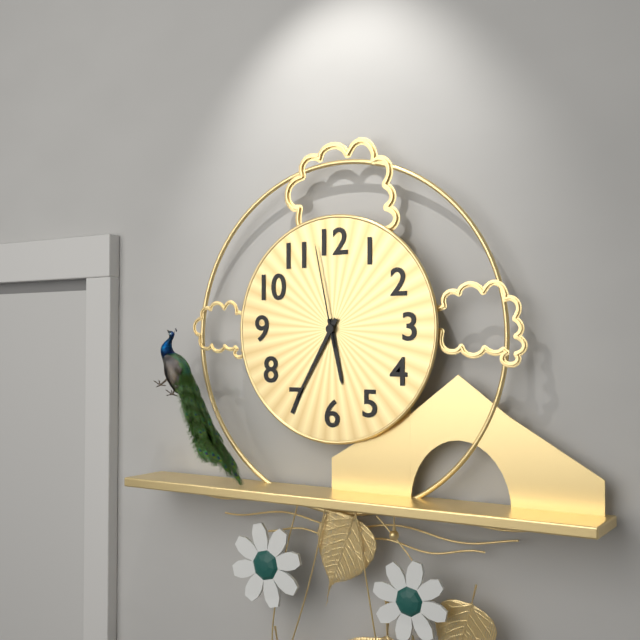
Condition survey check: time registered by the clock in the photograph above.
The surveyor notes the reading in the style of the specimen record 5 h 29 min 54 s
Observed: 5 h 35 min 58 s
